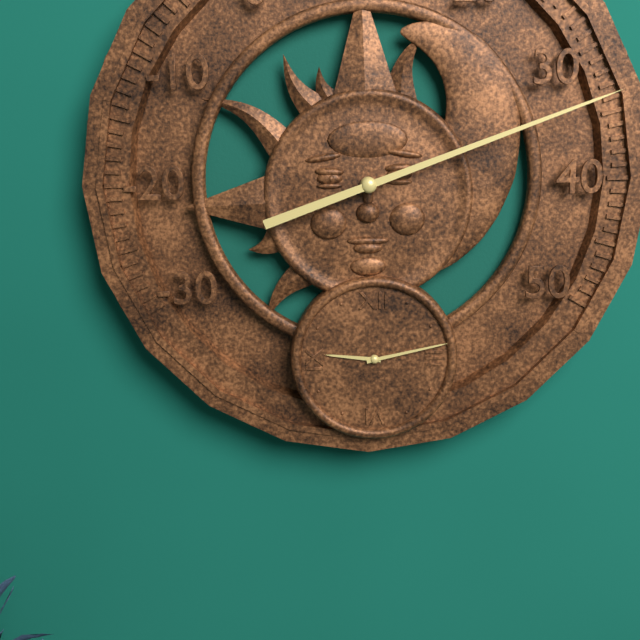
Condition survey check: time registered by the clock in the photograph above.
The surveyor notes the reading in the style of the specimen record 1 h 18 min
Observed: 9 h 13 min
